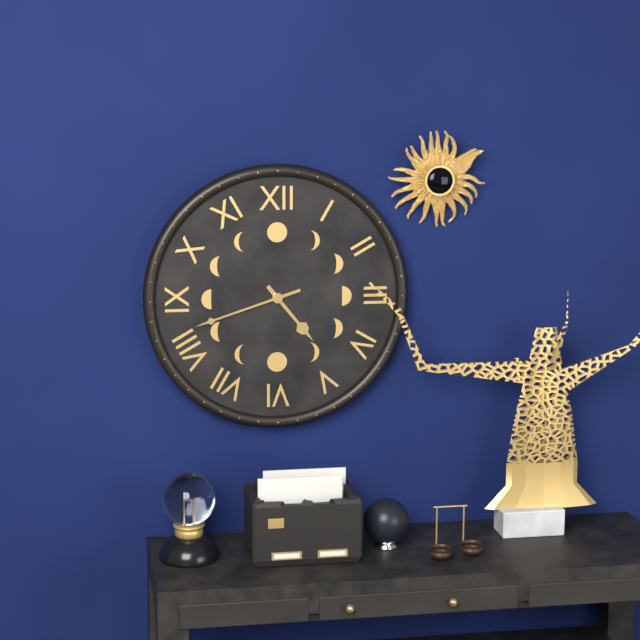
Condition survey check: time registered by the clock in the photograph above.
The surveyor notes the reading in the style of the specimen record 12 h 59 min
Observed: 4 h 42 min
